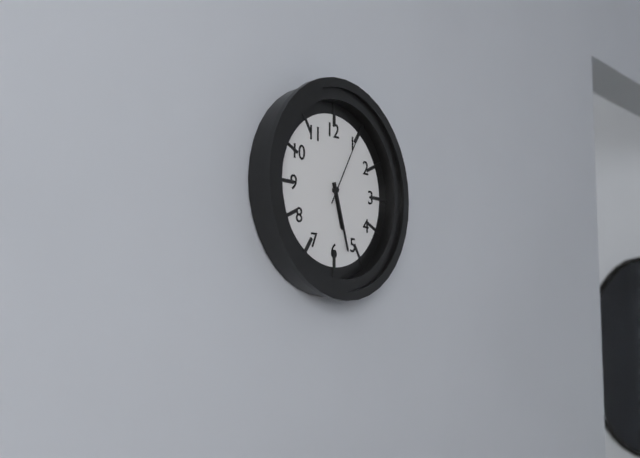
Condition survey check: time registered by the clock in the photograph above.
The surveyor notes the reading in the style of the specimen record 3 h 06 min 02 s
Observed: 5 h 27 min 05 s
